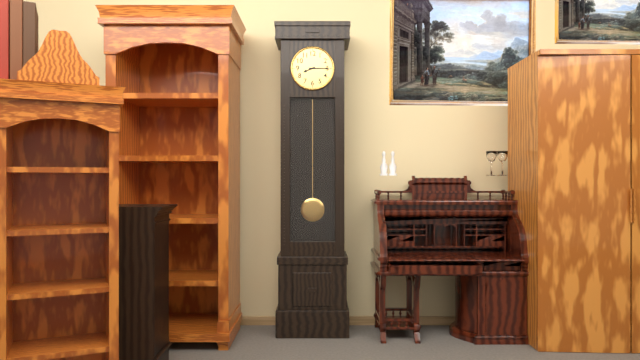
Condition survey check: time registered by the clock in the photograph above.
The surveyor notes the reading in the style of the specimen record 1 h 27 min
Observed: 8 h 15 min
